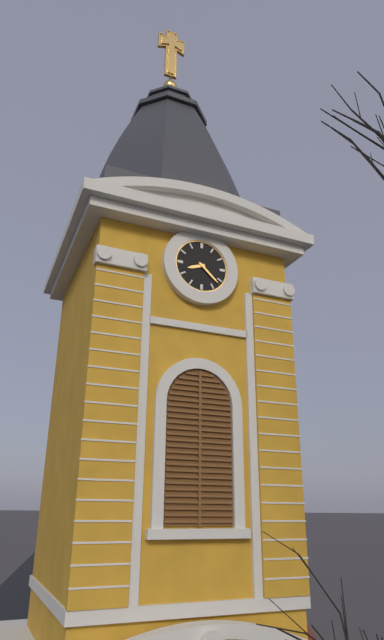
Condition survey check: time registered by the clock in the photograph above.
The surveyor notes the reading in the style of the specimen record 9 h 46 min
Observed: 8 h 22 min
